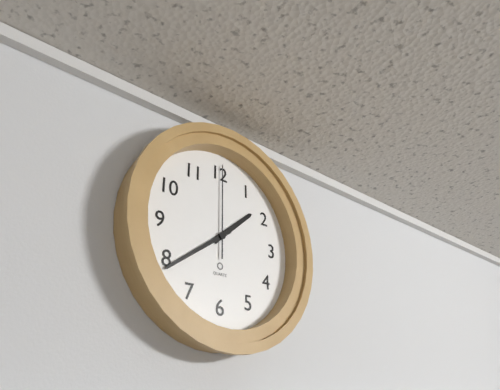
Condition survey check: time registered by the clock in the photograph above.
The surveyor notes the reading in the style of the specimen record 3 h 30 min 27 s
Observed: 1 h 39 min 00 s
